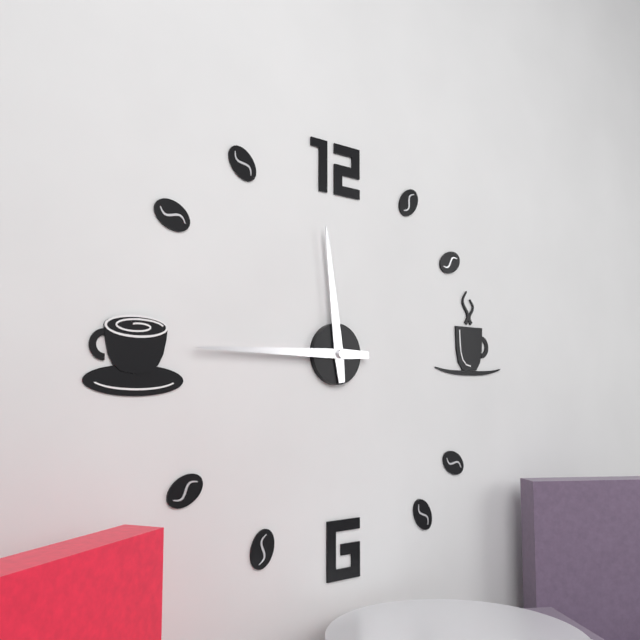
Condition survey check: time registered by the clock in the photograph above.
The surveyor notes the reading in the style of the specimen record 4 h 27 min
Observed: 11 h 45 min
